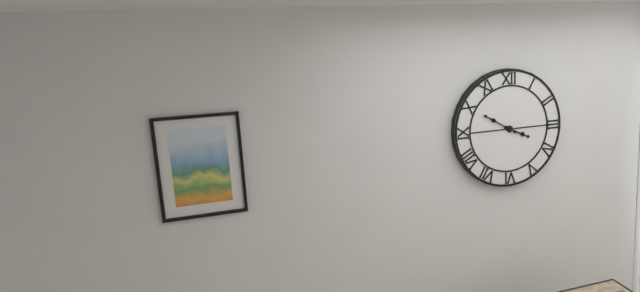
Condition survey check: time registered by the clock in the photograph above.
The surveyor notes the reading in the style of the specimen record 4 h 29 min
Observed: 3 h 50 min
